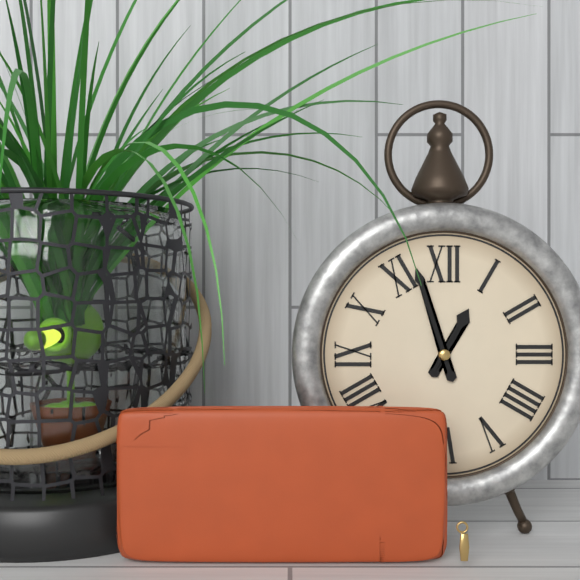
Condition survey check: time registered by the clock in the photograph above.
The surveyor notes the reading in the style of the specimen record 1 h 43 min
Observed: 12 h 57 min
